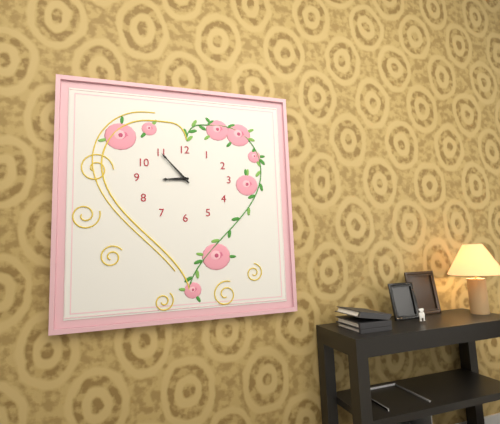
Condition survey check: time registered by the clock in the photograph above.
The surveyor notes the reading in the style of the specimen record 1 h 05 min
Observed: 8 h 53 min
